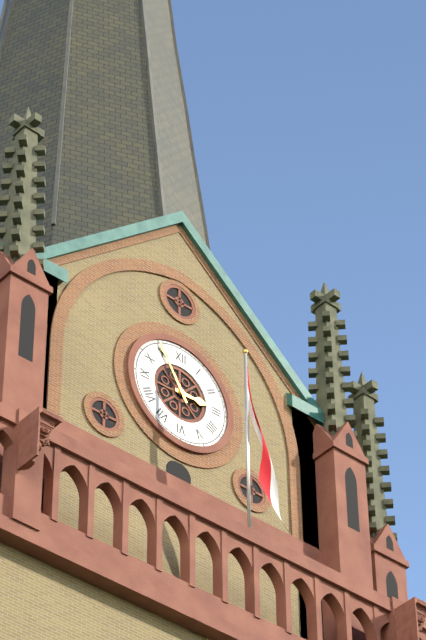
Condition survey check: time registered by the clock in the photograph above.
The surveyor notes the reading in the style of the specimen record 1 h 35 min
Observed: 2 h 55 min
